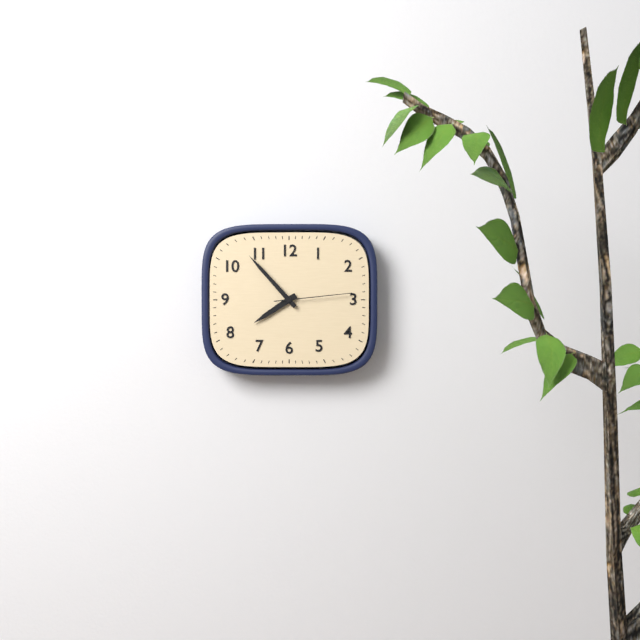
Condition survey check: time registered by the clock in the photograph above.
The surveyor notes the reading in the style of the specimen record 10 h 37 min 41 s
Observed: 7 h 53 min 14 s
